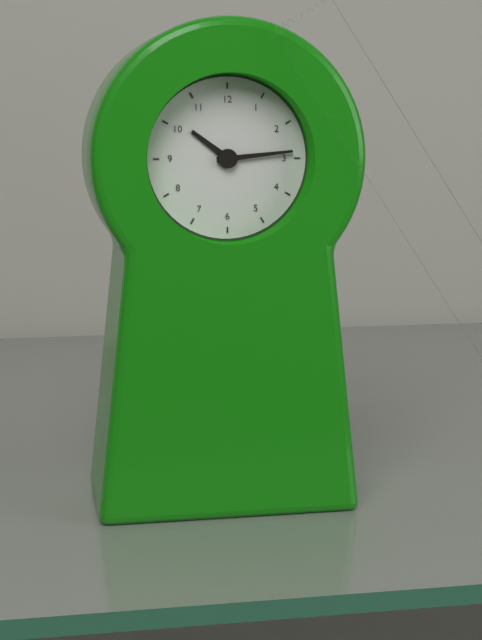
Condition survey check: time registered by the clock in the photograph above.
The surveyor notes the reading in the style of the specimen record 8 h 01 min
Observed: 10 h 14 min
